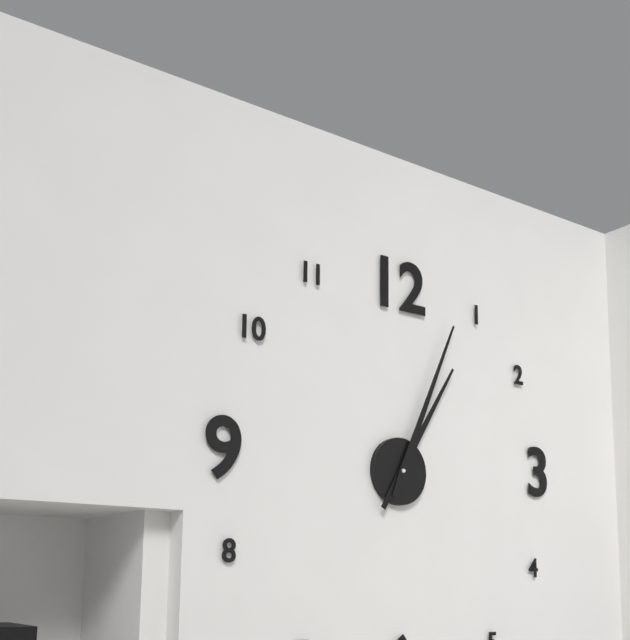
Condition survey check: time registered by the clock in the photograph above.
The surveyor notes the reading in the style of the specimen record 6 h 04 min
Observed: 1 h 04 min
